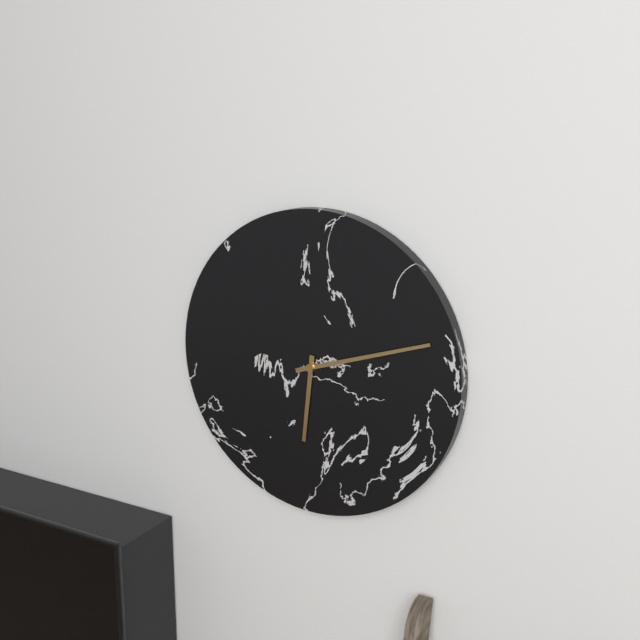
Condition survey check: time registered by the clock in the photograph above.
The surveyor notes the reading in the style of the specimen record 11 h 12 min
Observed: 6 h 12 min
